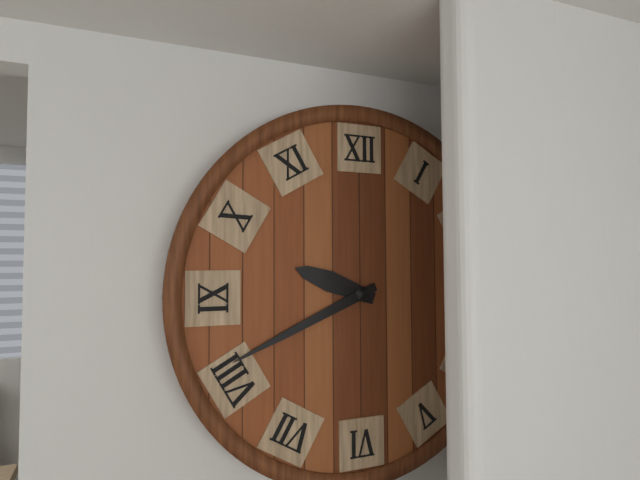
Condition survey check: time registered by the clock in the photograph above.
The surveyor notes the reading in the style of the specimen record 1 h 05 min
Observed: 9 h 41 min
